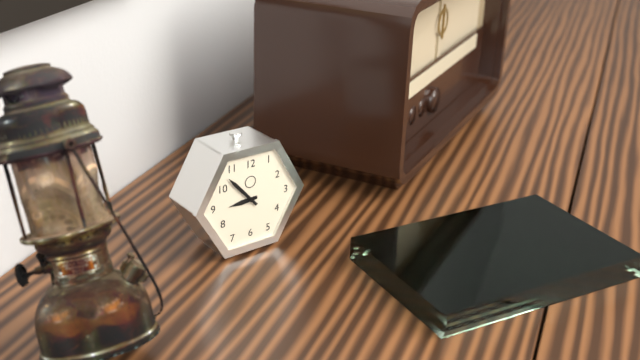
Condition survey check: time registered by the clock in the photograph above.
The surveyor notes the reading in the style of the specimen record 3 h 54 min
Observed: 8 h 53 min
